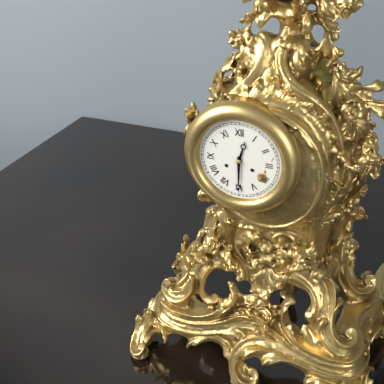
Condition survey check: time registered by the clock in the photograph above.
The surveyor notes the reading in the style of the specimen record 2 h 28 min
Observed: 12 h 30 min
